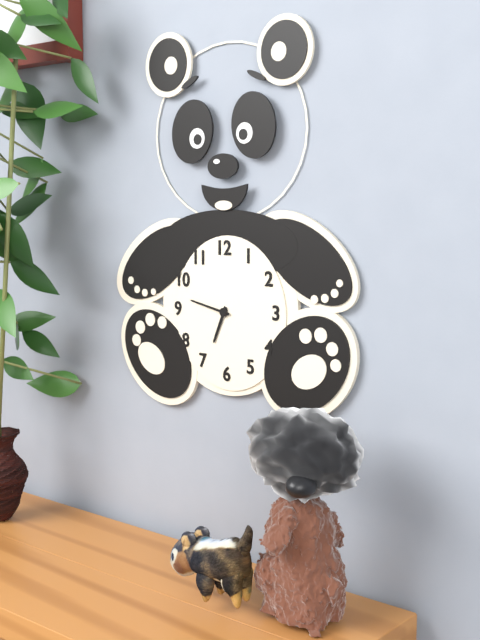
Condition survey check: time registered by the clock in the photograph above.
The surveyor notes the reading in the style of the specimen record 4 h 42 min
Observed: 6 h 47 min
